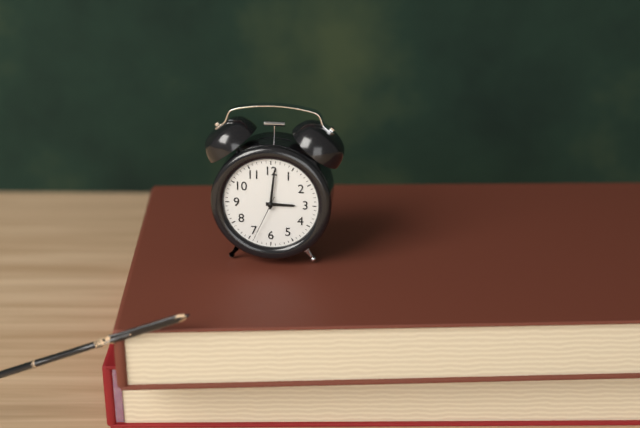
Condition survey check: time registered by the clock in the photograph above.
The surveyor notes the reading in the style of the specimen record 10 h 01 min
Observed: 3 h 01 min
